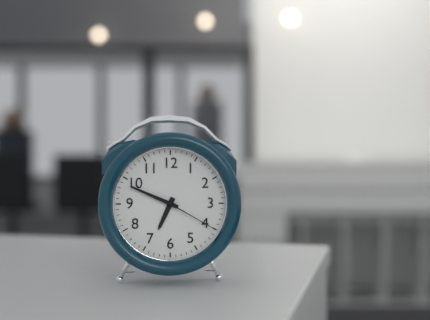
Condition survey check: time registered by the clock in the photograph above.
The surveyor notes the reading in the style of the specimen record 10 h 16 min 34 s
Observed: 6 h 49 min 20 s
